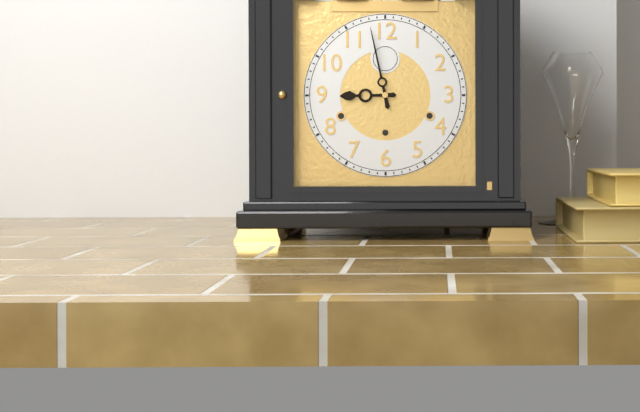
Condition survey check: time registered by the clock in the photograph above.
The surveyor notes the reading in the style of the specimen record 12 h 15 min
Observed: 8 h 58 min
